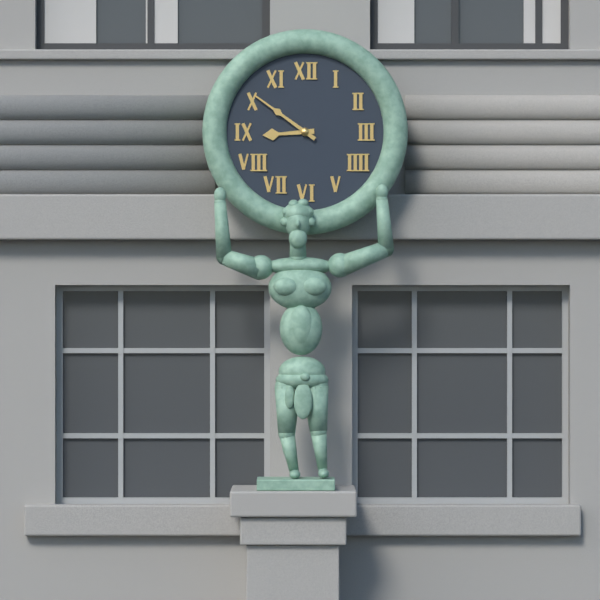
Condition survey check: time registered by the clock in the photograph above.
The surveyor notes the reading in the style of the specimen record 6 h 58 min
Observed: 8 h 51 min
